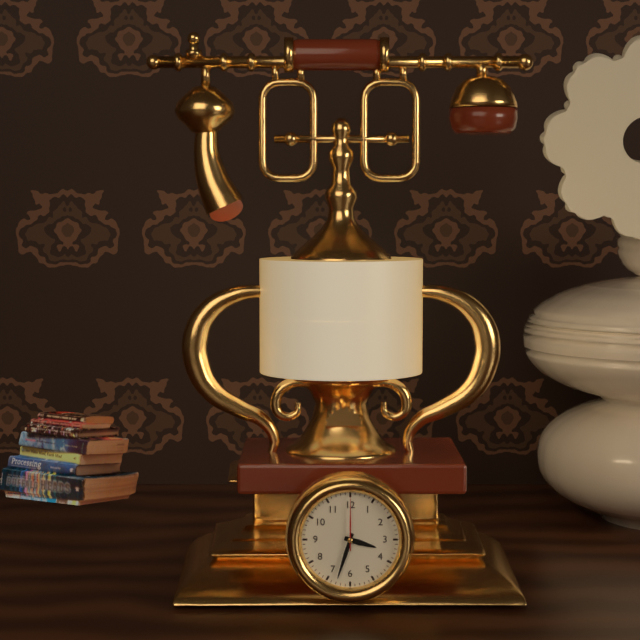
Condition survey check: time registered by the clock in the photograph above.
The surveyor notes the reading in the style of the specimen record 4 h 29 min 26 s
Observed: 3 h 33 min 00 s
